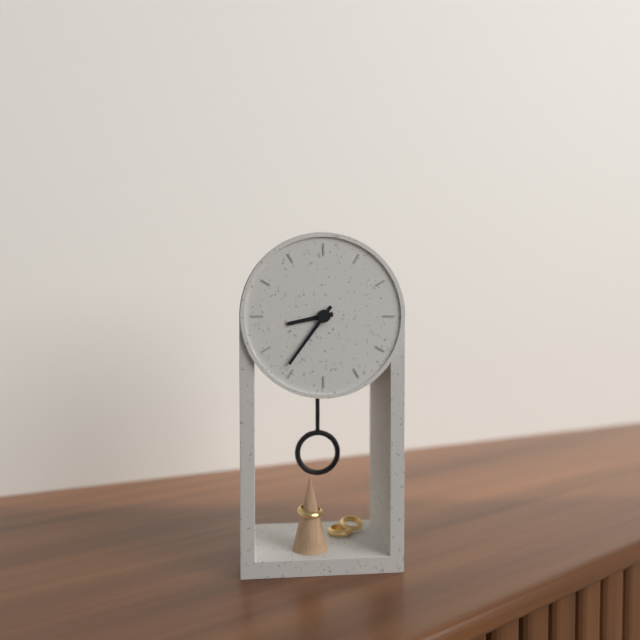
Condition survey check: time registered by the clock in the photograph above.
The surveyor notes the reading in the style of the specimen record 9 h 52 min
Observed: 8 h 36 min
